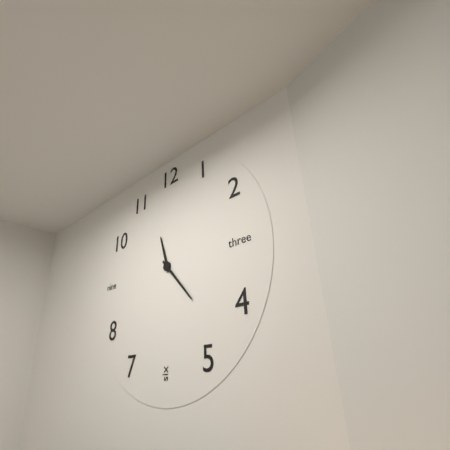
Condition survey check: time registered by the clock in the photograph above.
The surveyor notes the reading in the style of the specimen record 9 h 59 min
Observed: 11 h 23 min
